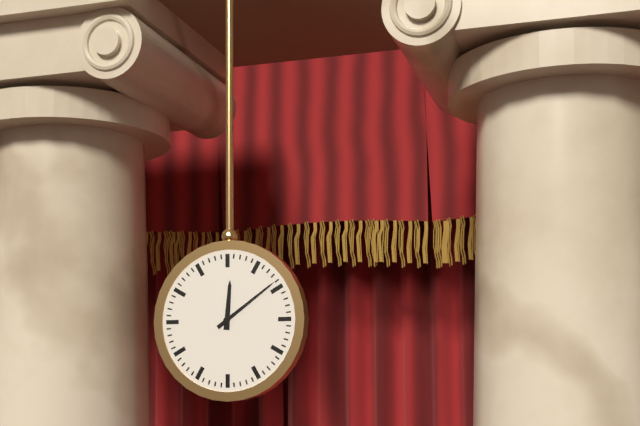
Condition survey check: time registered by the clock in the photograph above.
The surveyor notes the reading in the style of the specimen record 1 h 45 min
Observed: 12 h 09 min
